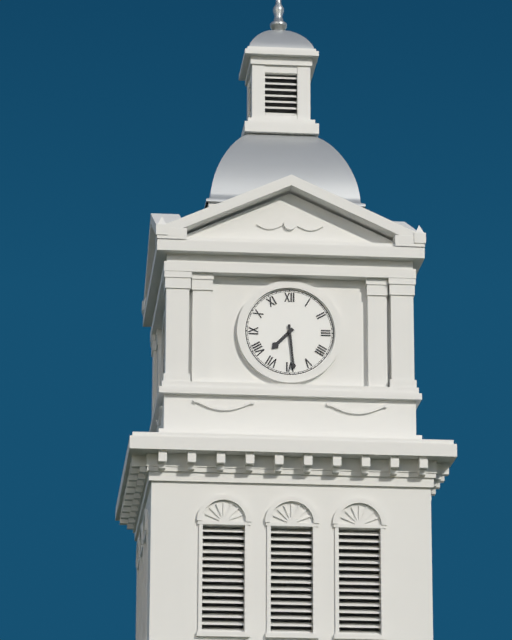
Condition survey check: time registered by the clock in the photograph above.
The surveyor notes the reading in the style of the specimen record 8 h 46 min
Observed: 7 h 29 min
